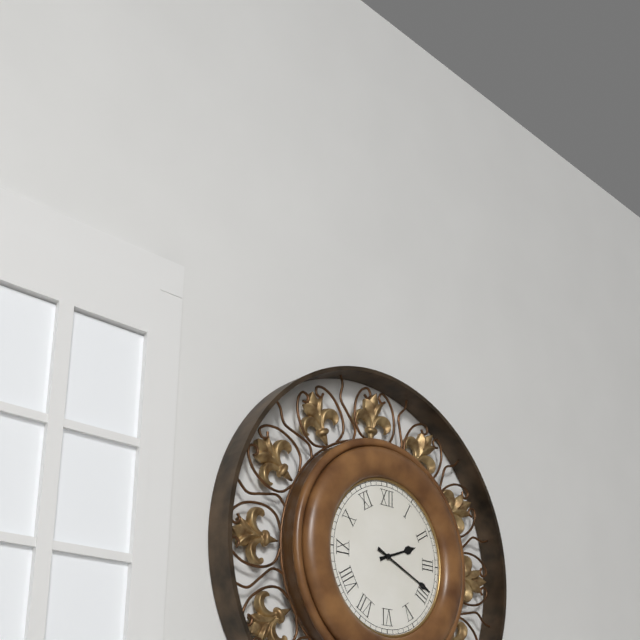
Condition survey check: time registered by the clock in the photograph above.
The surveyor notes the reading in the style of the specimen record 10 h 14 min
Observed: 2 h 19 min
